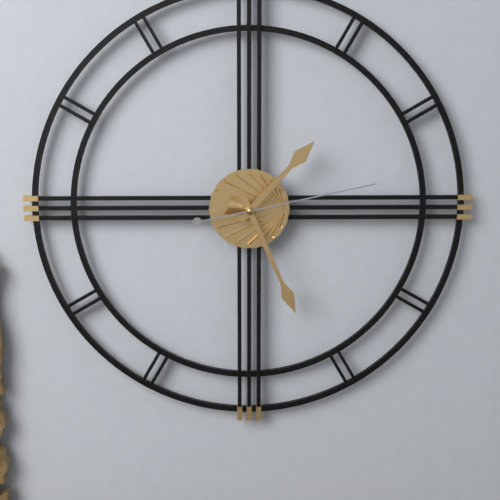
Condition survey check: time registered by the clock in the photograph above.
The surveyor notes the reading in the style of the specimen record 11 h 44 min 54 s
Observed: 1 h 26 min 13 s
